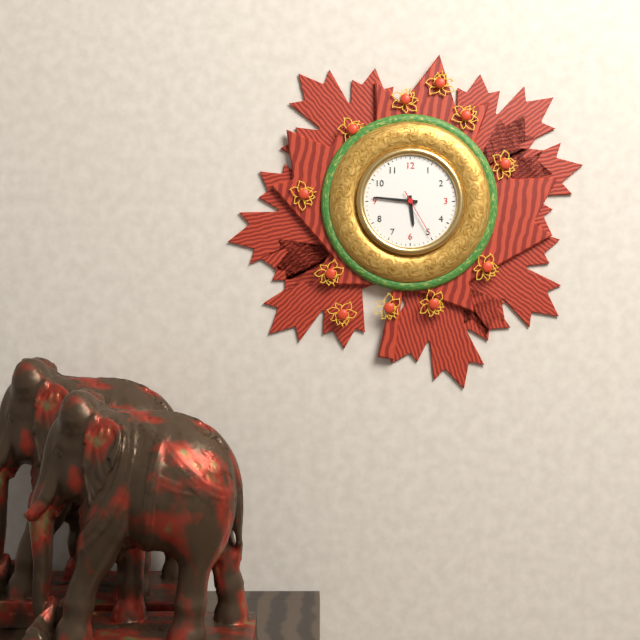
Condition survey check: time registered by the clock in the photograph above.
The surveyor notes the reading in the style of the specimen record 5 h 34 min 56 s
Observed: 5 h 46 min 25 s
